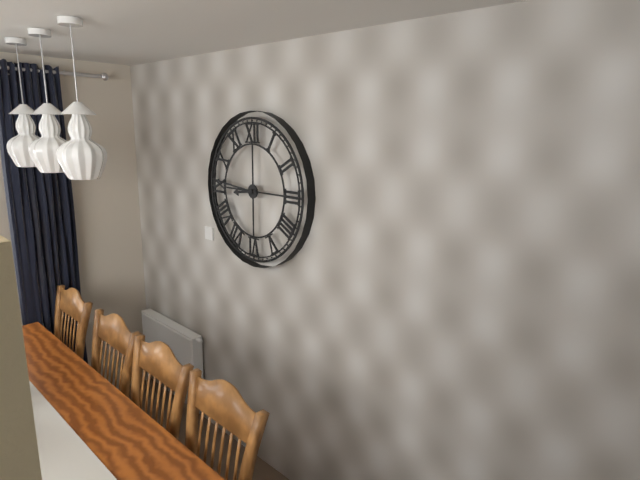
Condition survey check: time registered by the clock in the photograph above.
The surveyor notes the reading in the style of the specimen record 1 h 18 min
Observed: 8 h 46 min
